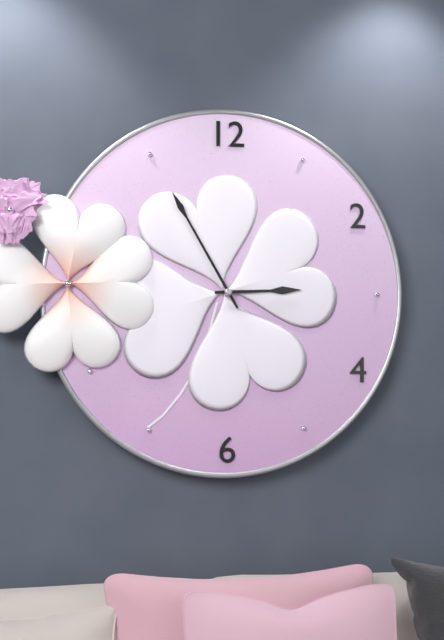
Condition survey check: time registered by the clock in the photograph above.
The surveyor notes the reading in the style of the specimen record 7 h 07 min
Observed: 2 h 55 min
